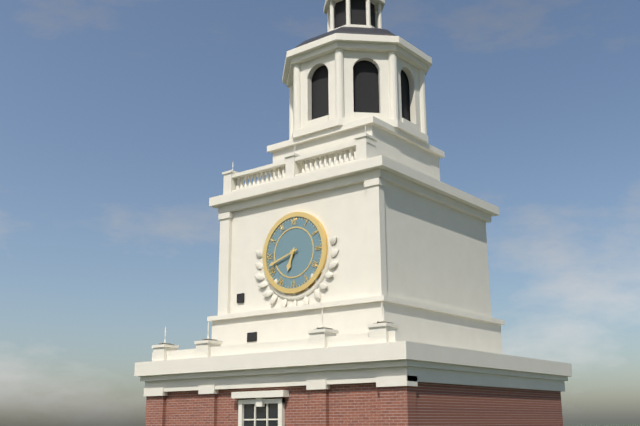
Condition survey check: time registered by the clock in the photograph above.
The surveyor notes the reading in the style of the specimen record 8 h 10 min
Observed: 6 h 42 min
